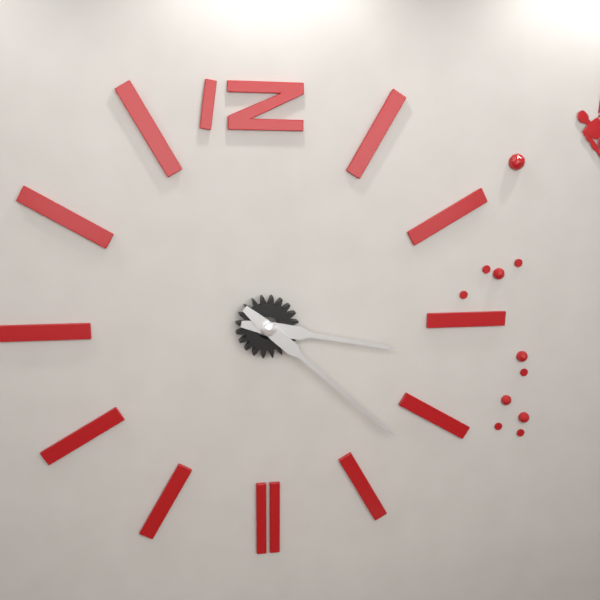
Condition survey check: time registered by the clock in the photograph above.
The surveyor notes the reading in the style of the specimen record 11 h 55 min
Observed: 3 h 22 min
